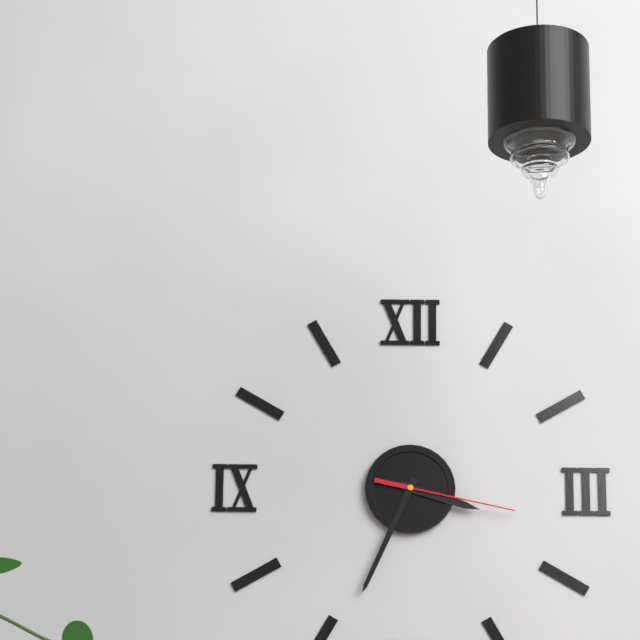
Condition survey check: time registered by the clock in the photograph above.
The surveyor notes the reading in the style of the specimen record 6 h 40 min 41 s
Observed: 3 h 34 min 17 s
